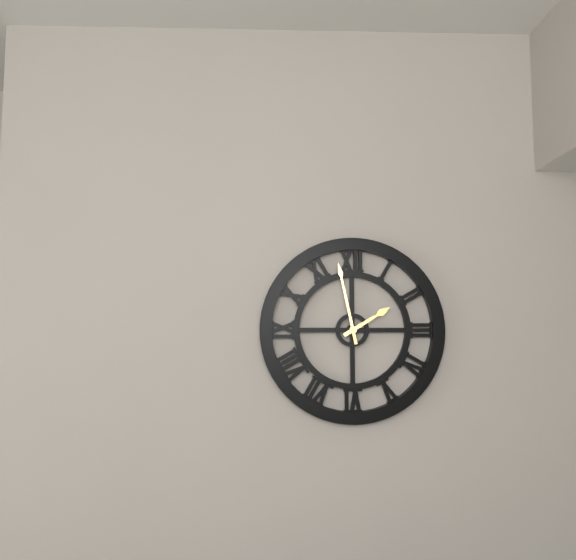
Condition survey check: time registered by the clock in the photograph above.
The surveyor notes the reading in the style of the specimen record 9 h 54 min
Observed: 1 h 58 min
